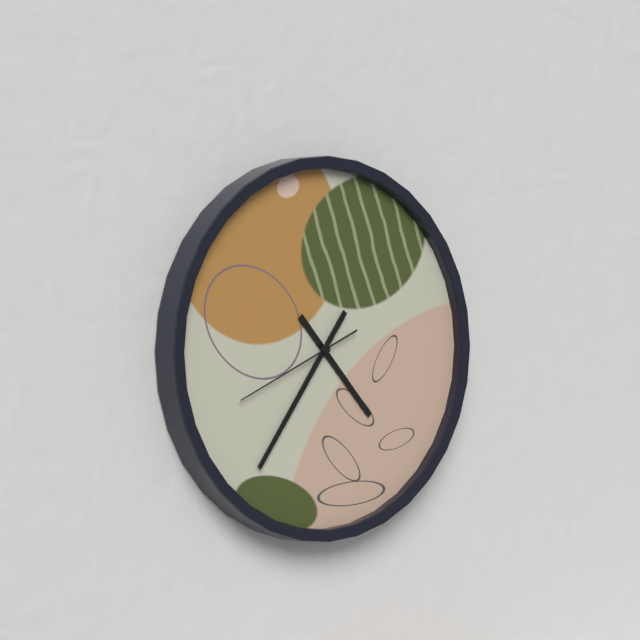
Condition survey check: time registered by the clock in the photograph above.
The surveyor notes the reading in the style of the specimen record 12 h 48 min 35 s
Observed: 4 h 36 min 41 s
